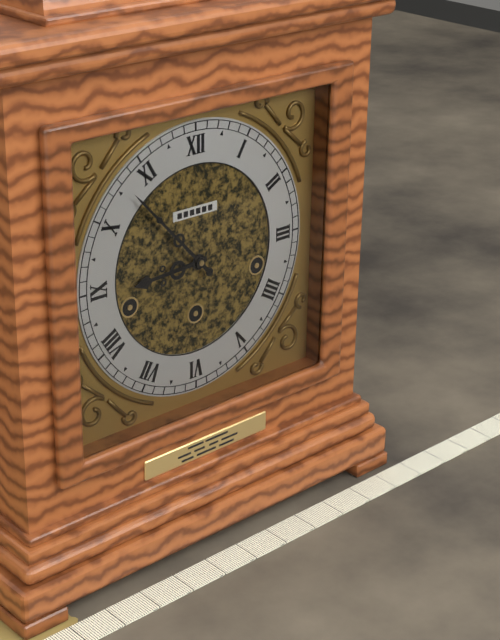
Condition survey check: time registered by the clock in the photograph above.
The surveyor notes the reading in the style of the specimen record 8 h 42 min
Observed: 8 h 53 min
